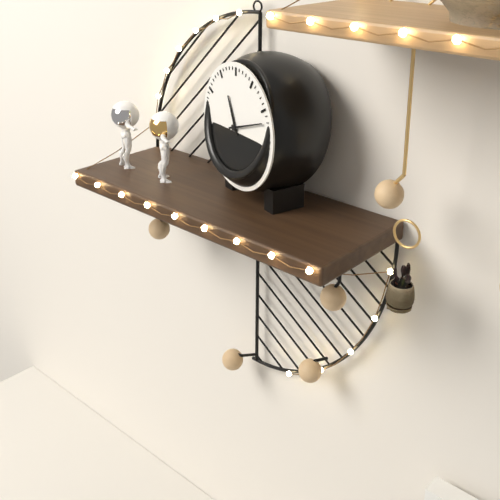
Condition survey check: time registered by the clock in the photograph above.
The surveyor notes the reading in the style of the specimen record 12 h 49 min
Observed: 11 h 12 min
